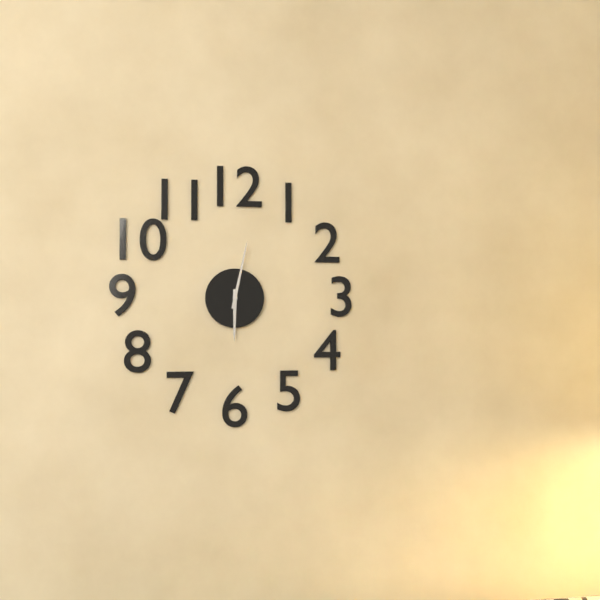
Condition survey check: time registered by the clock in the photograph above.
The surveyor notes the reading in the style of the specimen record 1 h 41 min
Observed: 6 h 02 min
